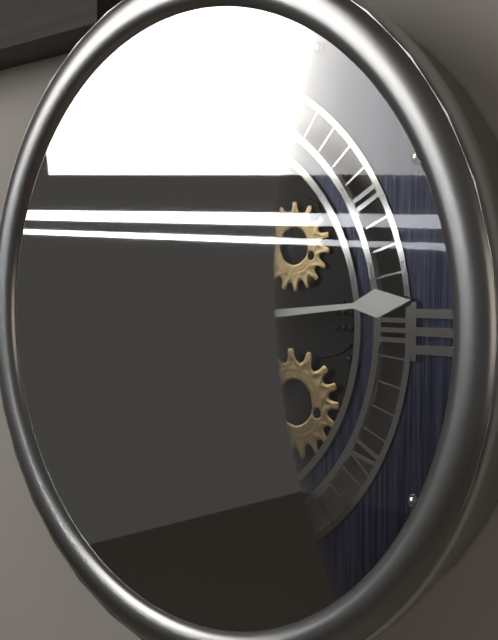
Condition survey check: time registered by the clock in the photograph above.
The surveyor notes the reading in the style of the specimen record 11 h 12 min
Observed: 6 h 14 min
